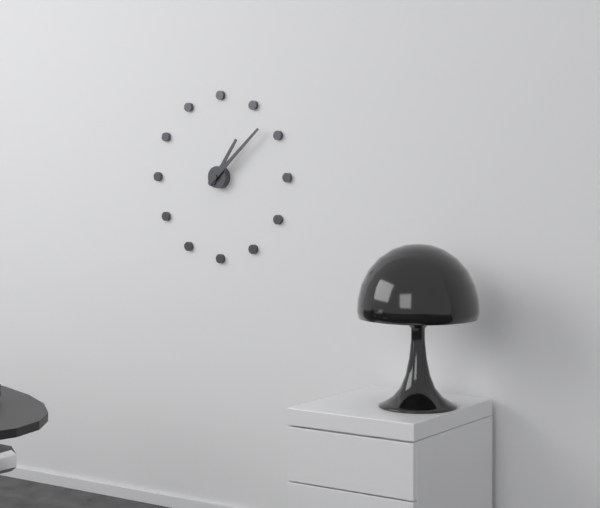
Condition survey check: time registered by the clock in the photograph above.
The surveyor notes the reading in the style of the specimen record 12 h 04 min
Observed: 1 h 08 min
